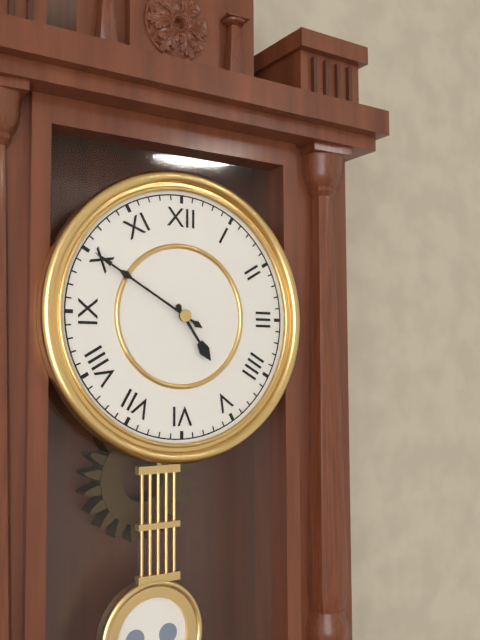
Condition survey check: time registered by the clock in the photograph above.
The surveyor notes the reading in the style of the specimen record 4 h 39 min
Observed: 4 h 50 min
